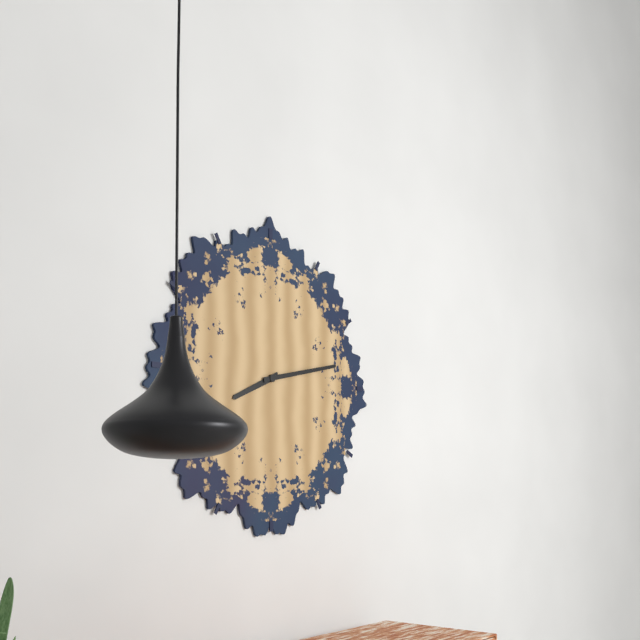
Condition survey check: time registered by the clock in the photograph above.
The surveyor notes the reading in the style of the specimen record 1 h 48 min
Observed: 8 h 13 min
